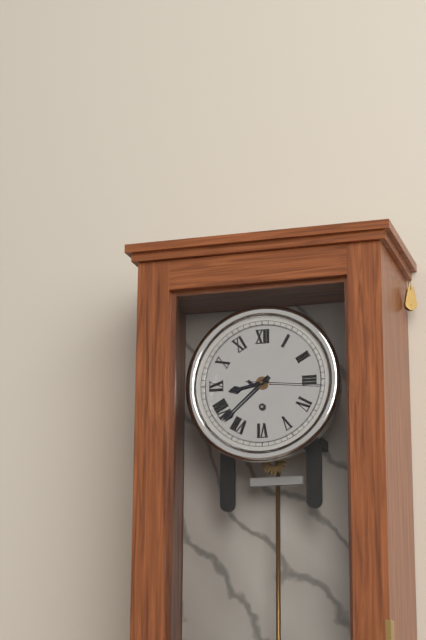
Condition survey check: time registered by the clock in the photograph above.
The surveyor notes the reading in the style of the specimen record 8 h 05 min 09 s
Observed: 8 h 38 min 16 s
